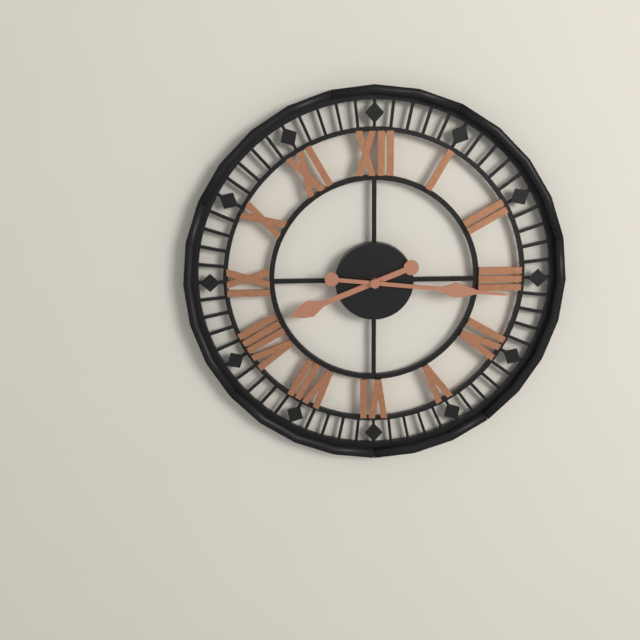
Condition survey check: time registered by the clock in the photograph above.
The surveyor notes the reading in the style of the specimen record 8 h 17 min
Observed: 8 h 16 min
